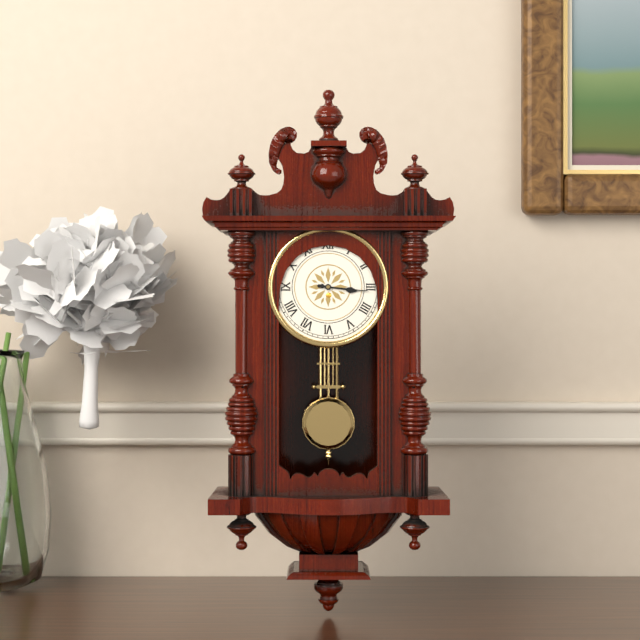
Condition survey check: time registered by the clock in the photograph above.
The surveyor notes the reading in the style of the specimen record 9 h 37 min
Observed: 3 h 16 min
